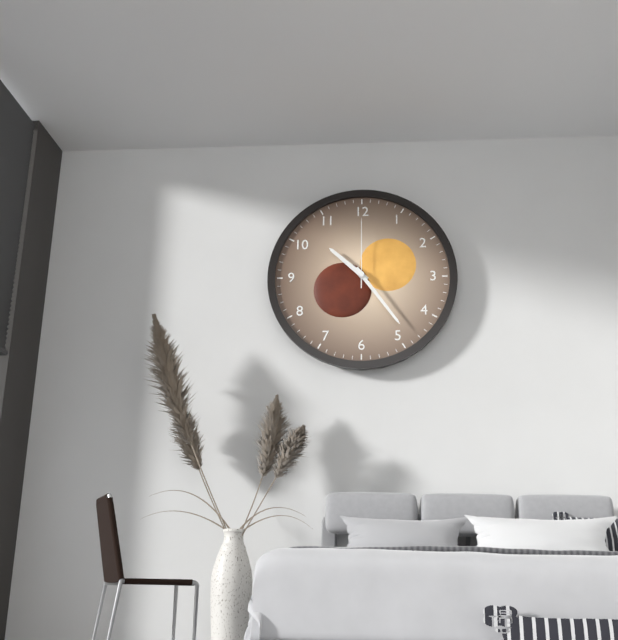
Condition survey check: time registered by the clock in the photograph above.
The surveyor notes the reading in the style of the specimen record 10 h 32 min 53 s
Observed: 10 h 24 min 00 s
